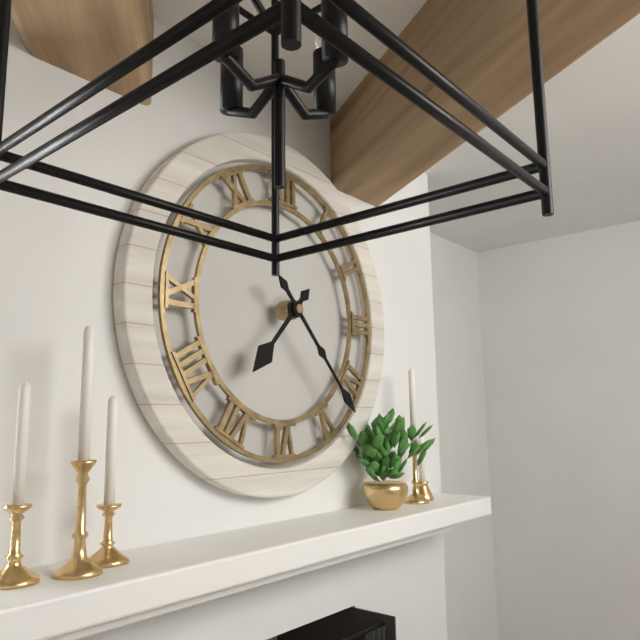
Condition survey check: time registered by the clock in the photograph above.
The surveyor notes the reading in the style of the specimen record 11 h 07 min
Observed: 7 h 23 min
